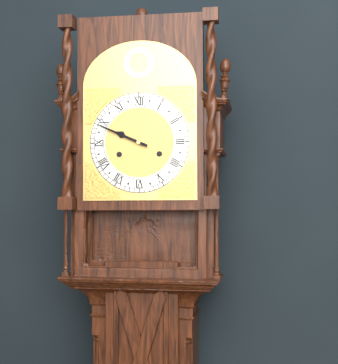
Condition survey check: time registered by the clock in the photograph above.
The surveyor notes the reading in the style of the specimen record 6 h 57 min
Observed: 9 h 49 min
